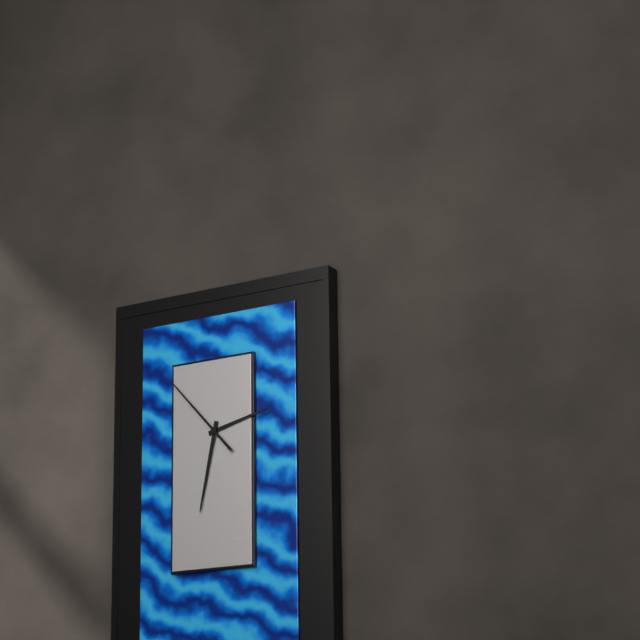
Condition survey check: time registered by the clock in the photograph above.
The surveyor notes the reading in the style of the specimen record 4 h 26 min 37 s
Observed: 2 h 32 min 53 s
